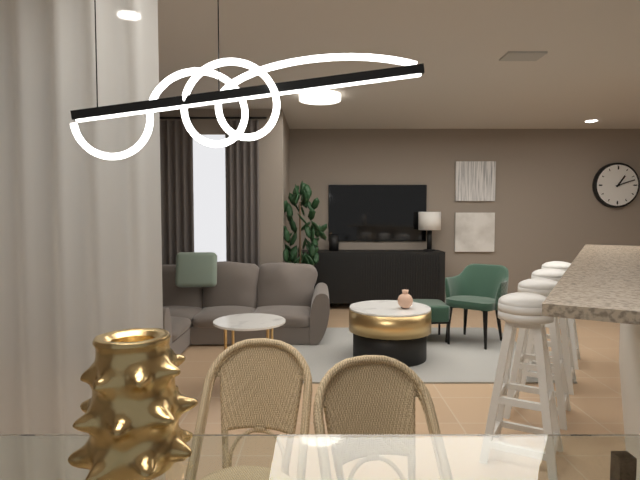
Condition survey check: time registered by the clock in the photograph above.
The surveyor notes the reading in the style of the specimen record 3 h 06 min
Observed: 1 h 12 min
